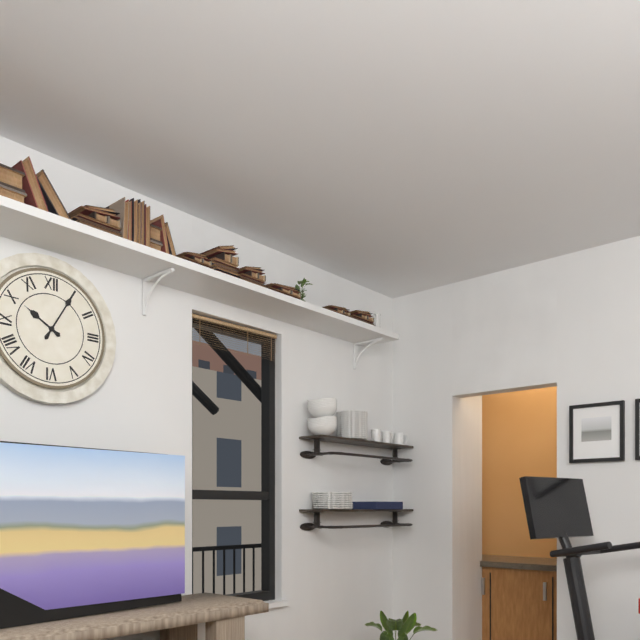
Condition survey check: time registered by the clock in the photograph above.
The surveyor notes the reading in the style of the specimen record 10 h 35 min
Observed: 10 h 05 min
